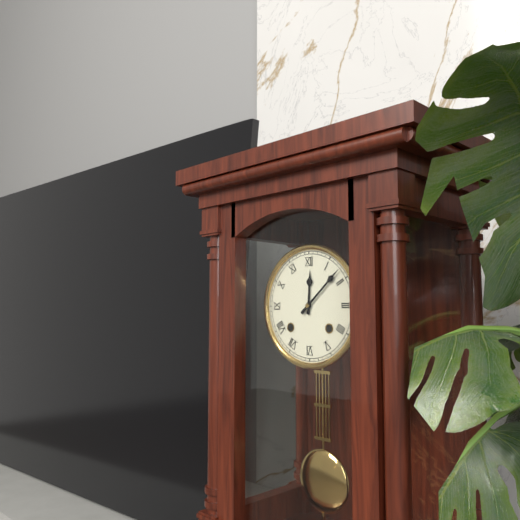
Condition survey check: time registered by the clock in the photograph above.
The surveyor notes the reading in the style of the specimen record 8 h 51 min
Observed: 12 h 08 min
